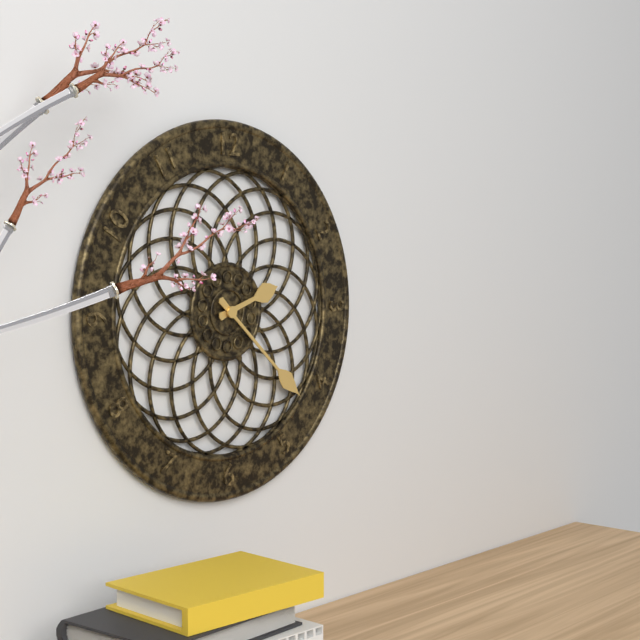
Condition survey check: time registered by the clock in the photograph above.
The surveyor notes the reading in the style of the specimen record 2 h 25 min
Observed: 2 h 22 min
